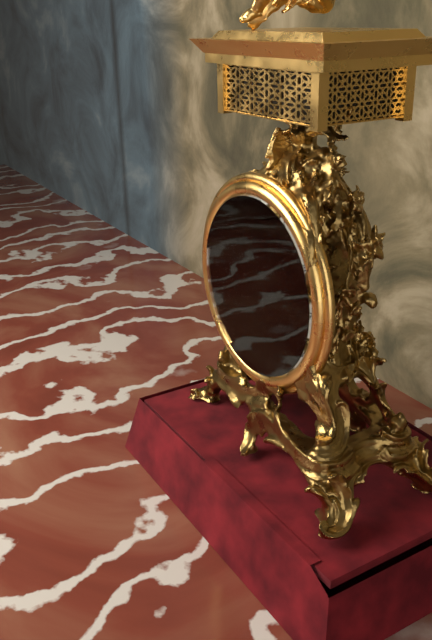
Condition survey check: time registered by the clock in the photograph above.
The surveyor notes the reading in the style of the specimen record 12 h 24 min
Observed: 4 h 35 min
